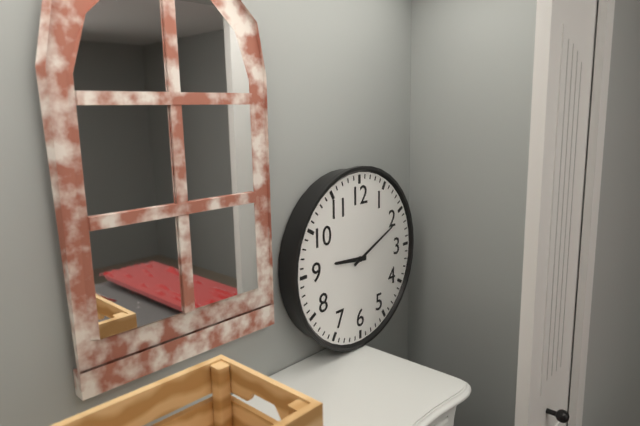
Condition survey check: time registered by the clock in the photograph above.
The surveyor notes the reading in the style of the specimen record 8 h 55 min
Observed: 9 h 11 min
